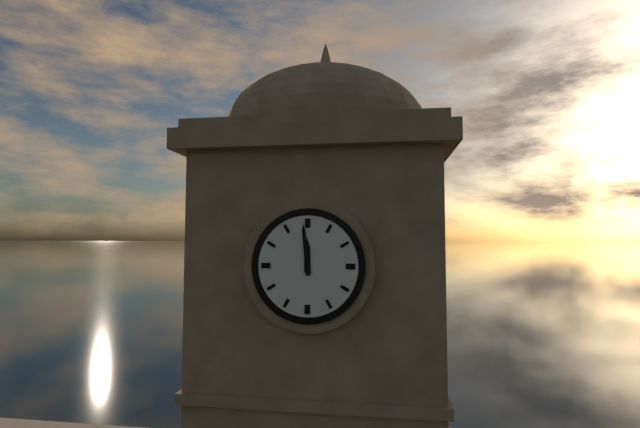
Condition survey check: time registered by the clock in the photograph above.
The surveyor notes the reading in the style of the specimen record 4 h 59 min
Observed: 11 h 59 min
